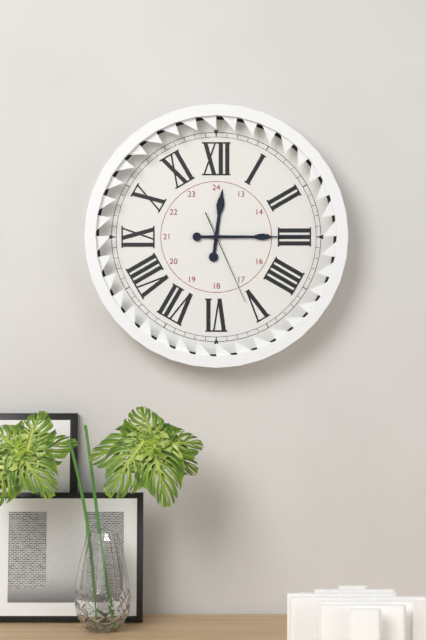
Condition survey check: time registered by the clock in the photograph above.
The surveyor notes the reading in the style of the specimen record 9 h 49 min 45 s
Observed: 12 h 15 min 26 s
